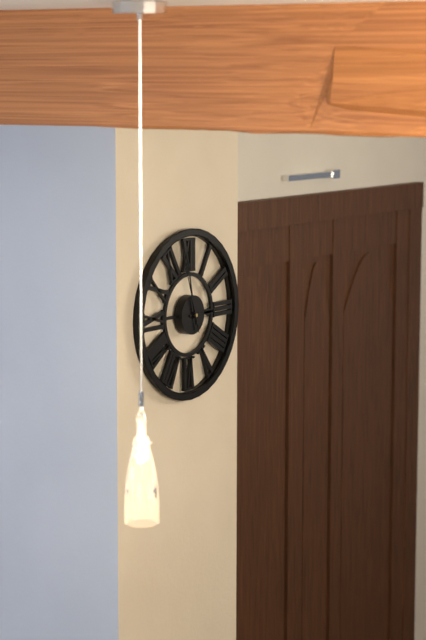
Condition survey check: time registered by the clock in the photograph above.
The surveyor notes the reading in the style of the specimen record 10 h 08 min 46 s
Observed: 2 h 58 min 57 s
